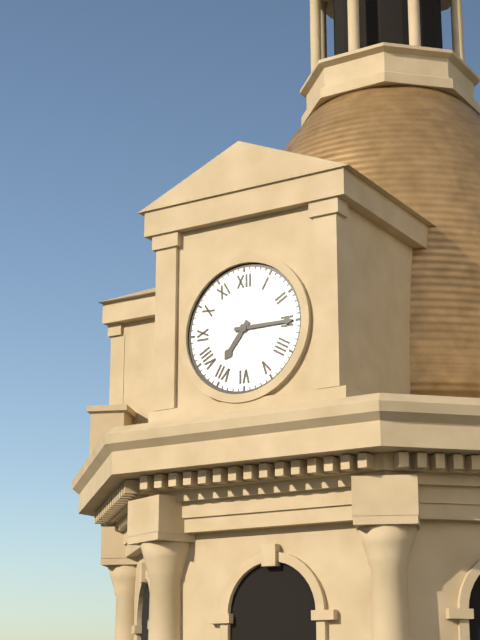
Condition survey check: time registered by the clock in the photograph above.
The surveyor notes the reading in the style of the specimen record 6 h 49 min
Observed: 7 h 15 min
